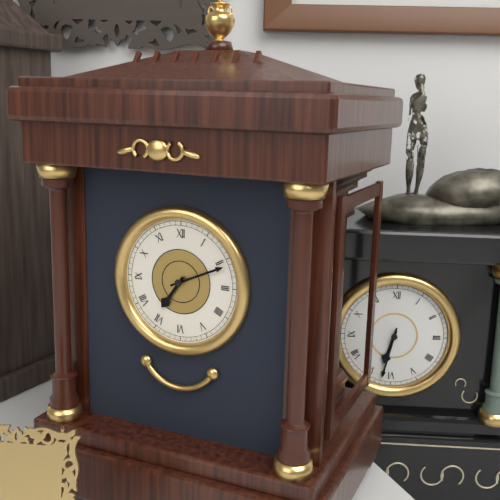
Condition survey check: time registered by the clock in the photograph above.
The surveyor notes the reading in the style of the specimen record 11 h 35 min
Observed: 7 h 11 min
